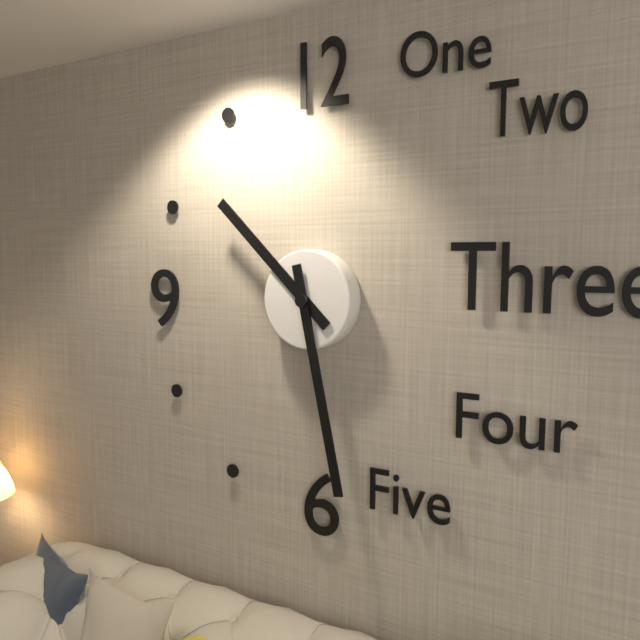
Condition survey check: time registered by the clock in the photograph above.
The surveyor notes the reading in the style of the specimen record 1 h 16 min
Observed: 10 h 28 min
